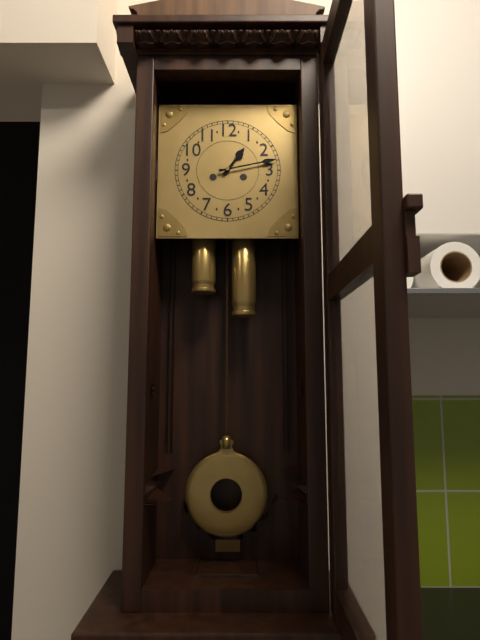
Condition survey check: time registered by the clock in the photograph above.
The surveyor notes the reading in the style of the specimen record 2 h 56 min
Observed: 1 h 13 min
